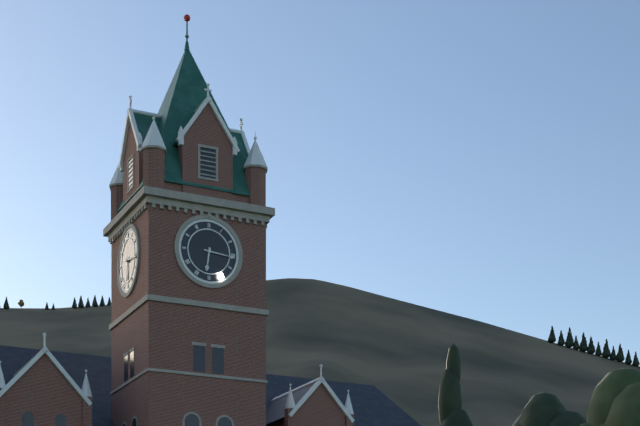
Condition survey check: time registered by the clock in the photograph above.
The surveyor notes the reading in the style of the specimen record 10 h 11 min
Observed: 6 h 16 min
